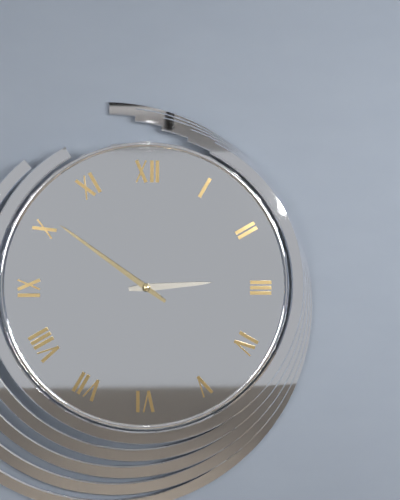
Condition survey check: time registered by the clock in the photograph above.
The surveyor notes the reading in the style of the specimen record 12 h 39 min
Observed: 2 h 51 min
